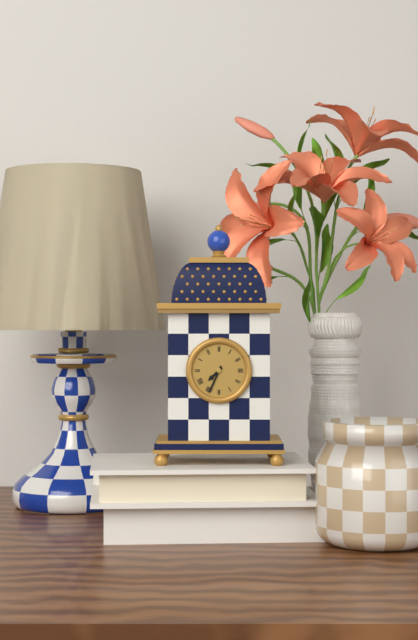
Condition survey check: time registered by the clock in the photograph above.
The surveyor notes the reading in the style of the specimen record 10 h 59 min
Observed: 7 h 34 min
